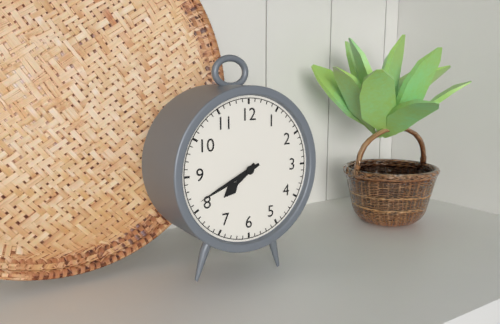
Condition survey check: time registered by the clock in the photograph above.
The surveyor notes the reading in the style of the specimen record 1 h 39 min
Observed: 7 h 41 min
